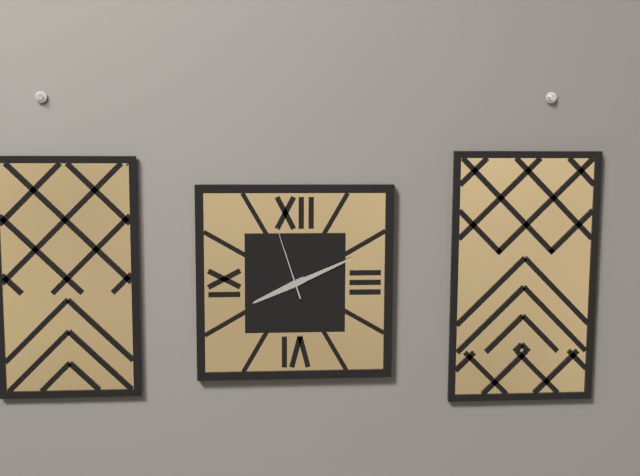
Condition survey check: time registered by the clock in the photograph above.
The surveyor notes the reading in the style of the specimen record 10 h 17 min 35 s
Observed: 8 h 11 min 57 s
